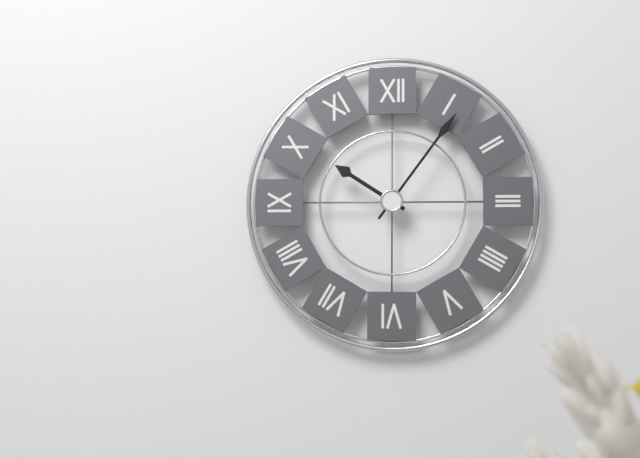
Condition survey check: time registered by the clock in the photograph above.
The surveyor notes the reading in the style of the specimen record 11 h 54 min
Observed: 10 h 06 min
